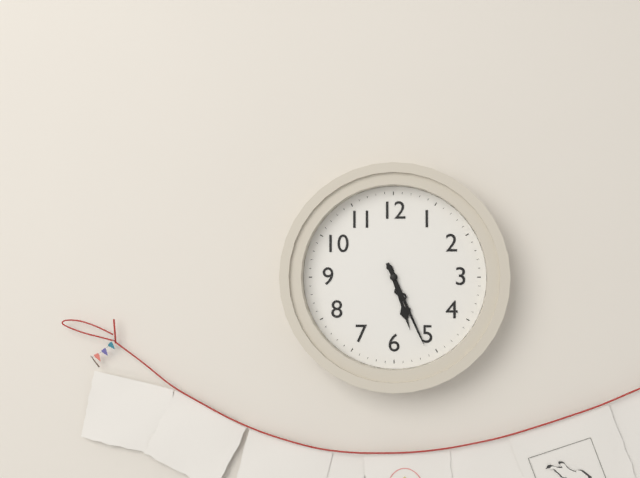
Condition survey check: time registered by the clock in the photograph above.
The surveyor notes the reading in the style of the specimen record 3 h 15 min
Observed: 5 h 26 min
